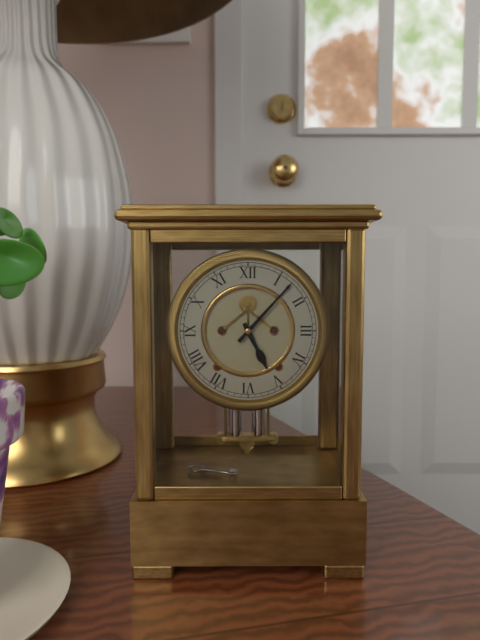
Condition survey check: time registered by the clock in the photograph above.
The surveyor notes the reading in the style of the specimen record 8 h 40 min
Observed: 5 h 07 min
